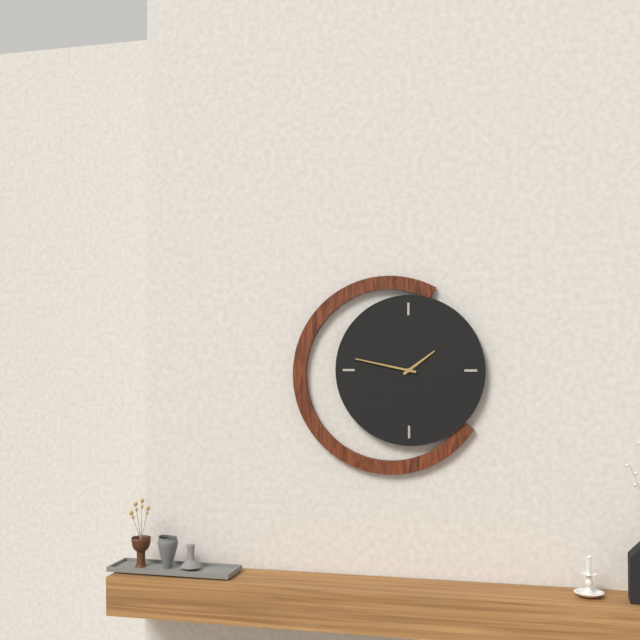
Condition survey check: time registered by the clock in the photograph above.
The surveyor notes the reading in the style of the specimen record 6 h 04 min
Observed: 1 h 47 min
